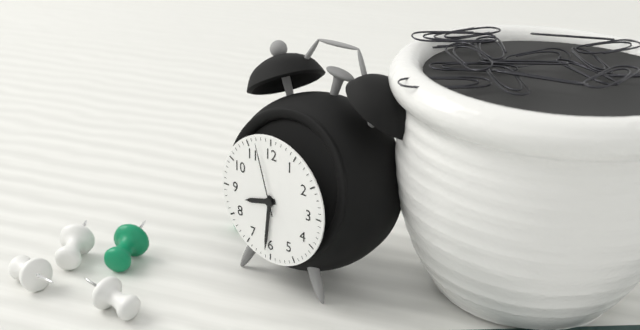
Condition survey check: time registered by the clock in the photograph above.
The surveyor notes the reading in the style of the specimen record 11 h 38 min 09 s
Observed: 8 h 31 min 57 s
